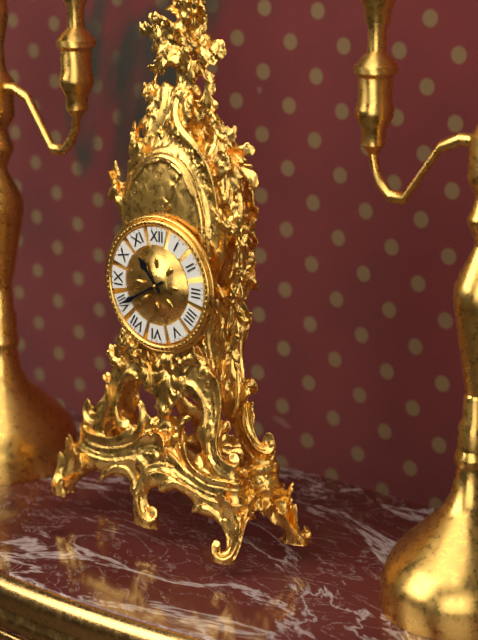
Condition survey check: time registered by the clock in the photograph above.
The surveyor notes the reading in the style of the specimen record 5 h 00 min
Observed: 10 h 40 min
